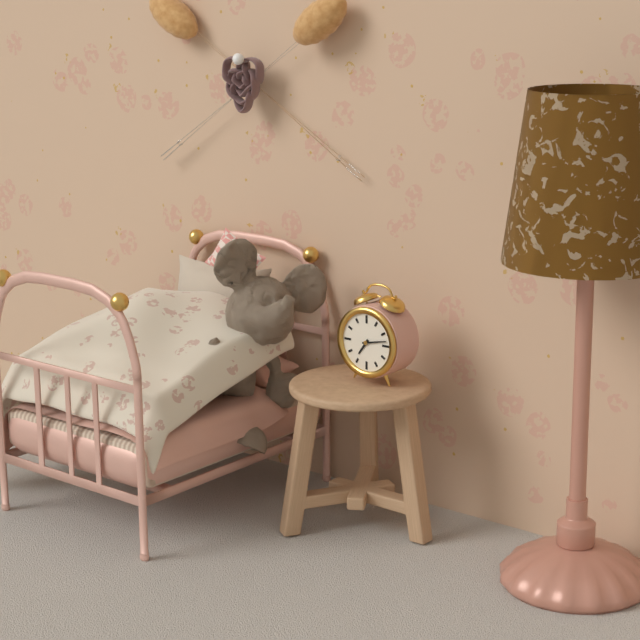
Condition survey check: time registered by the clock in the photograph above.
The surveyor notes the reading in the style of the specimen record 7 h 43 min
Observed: 7 h 13 min
